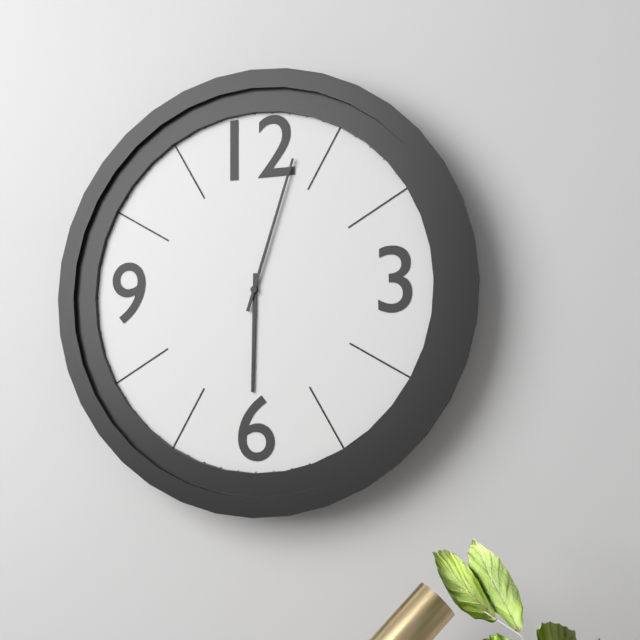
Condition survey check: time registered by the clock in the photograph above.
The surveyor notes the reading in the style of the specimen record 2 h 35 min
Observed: 6 h 03 min
